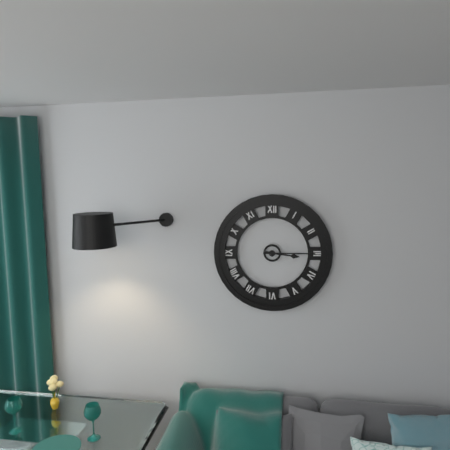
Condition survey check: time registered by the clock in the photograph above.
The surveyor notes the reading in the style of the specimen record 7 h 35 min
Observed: 3 h 15 min
